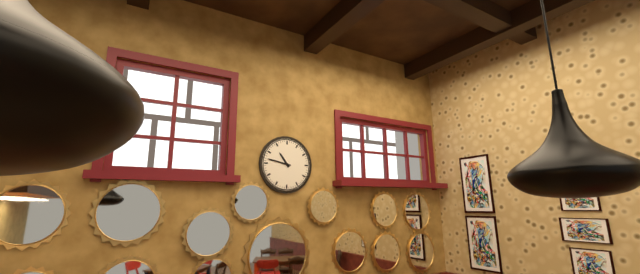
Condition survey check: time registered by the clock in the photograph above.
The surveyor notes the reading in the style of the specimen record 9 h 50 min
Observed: 10 h 47 min
